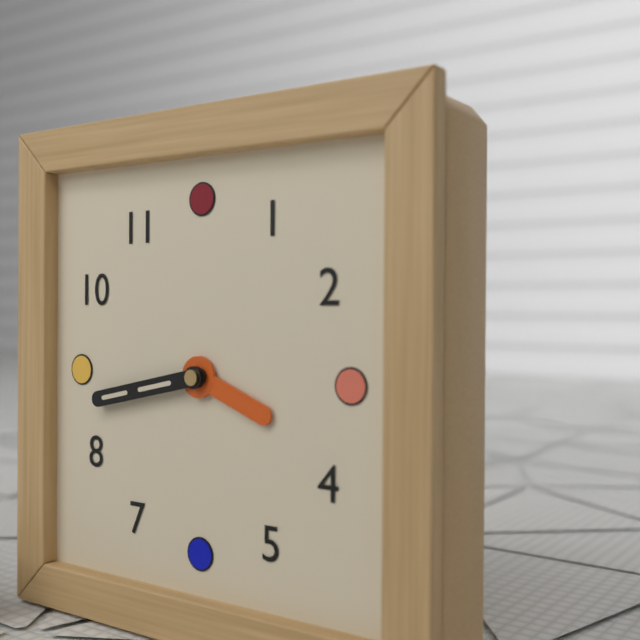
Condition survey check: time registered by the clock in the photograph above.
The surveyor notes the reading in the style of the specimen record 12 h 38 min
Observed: 3 h 43 min
